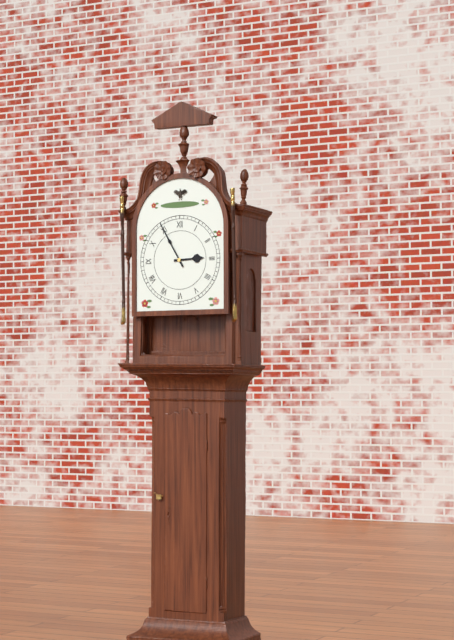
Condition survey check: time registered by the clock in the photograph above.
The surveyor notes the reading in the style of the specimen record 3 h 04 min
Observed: 2 h 55 min
